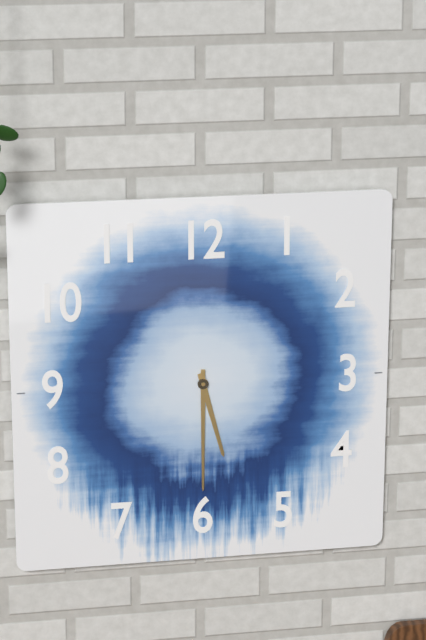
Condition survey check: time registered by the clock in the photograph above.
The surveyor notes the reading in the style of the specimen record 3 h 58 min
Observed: 5 h 30 min
